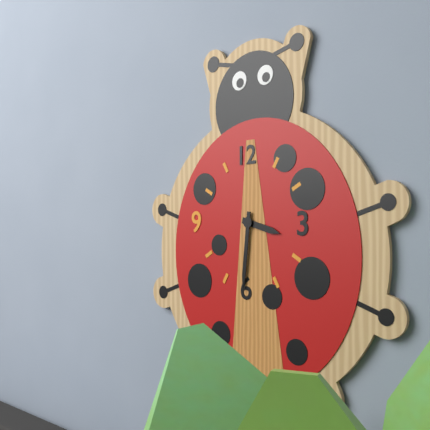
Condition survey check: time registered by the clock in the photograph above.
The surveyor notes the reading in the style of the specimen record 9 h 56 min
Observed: 3 h 31 min
